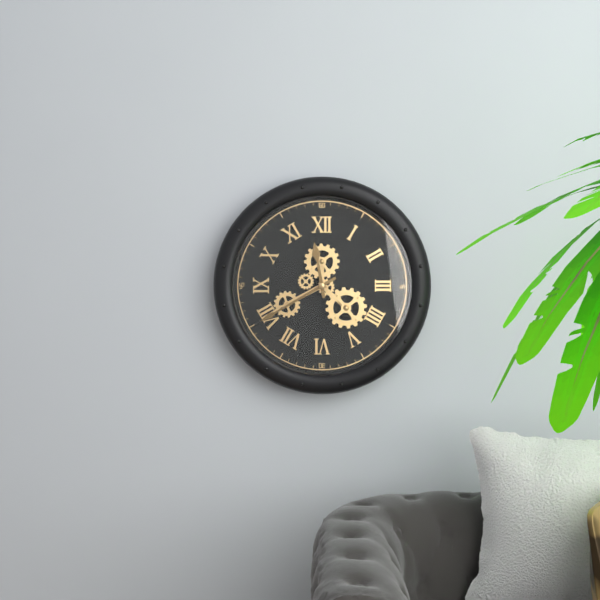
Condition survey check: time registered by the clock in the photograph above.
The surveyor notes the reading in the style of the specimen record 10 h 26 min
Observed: 11 h 40 min
